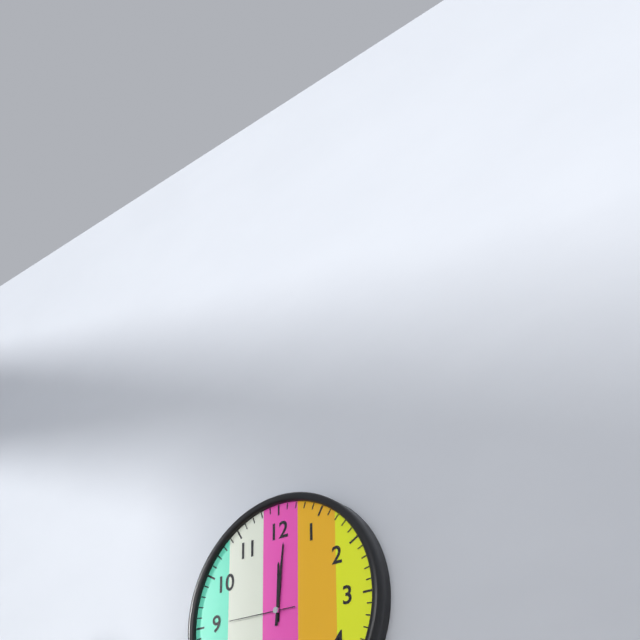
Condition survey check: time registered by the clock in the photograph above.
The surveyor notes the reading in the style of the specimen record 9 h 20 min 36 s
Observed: 12 h 01 min 45 s
